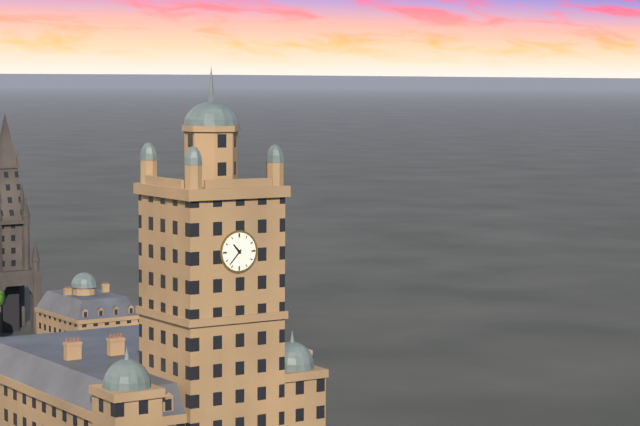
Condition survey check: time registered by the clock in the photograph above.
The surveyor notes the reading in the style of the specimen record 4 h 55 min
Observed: 10 h 37 min
